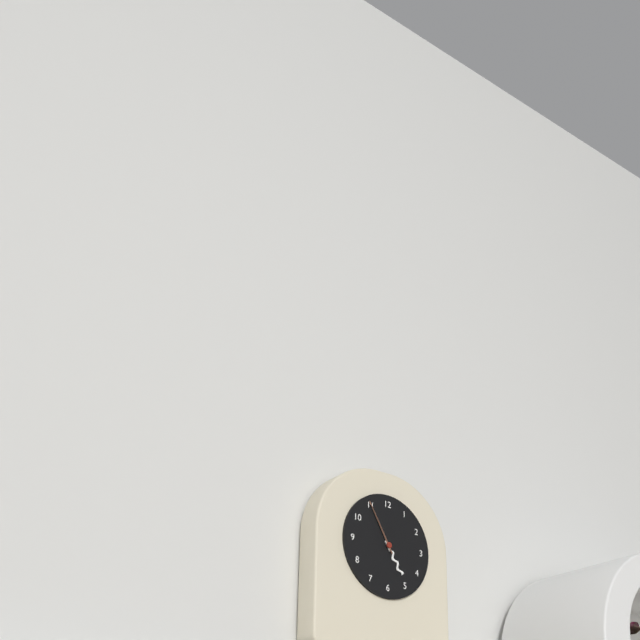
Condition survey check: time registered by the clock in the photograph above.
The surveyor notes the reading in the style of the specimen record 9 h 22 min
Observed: 4 h 55 min
